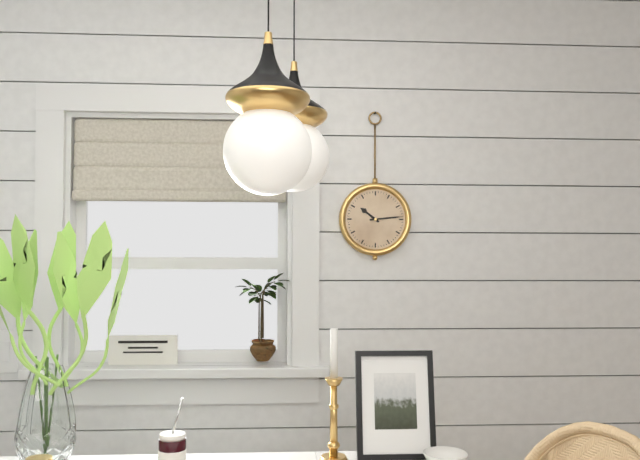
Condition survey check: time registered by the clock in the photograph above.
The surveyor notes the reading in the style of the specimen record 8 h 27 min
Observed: 10 h 14 min
